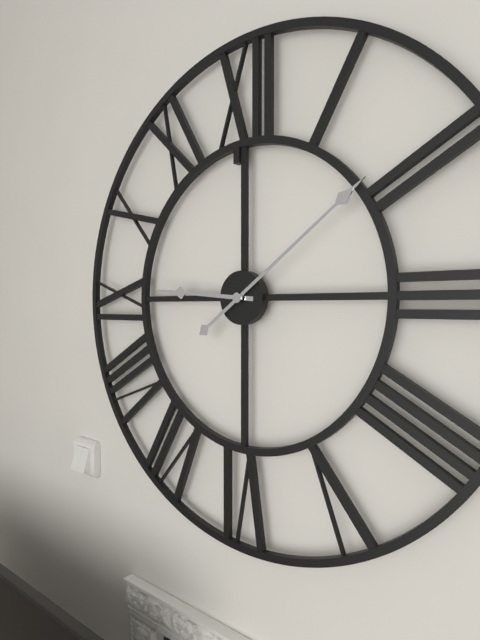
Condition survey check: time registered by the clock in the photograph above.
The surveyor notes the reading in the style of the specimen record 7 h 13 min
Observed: 9 h 09 min
